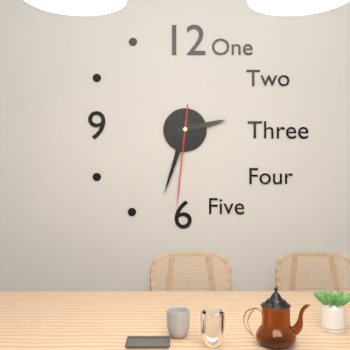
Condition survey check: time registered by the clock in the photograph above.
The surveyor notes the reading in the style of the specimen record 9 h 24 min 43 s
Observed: 2 h 33 min 31 s
